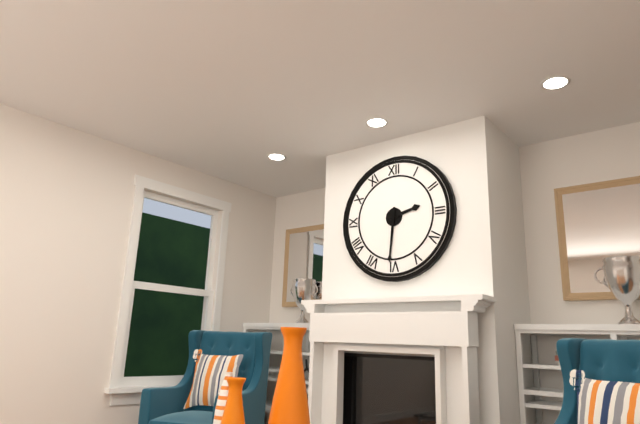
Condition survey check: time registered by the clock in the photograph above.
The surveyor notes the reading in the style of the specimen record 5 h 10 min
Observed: 2 h 31 min
